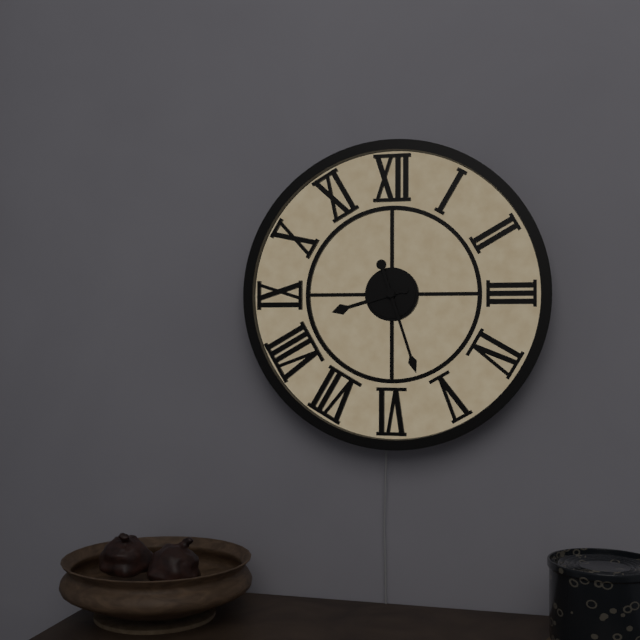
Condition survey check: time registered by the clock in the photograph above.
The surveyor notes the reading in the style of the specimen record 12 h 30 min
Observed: 8 h 27 min
